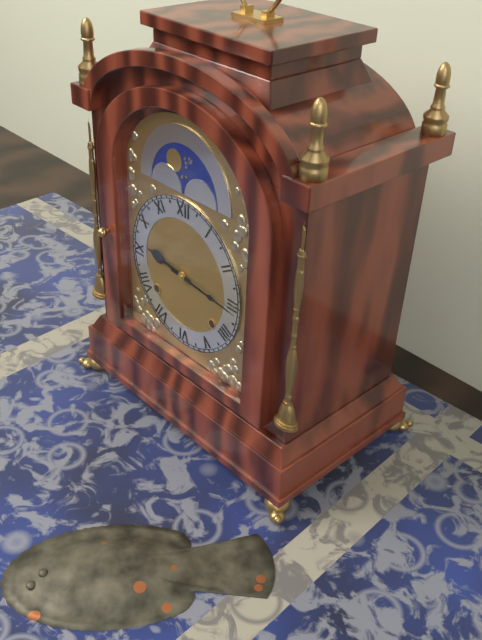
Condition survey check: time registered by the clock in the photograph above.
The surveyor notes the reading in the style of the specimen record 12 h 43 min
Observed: 9 h 16 min
